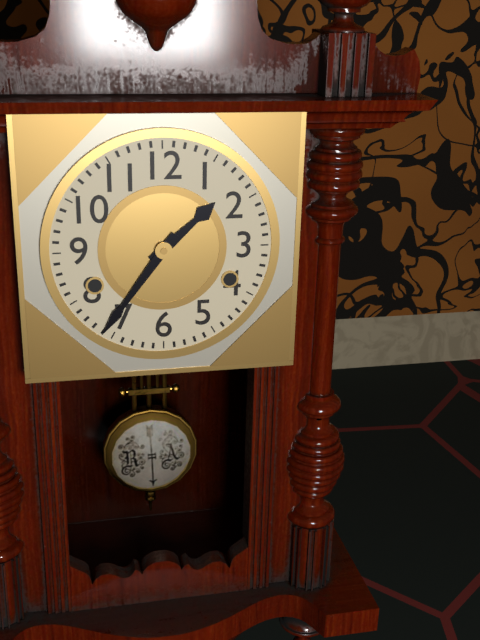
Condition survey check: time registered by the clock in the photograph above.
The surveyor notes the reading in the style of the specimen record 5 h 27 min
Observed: 1 h 36 min
